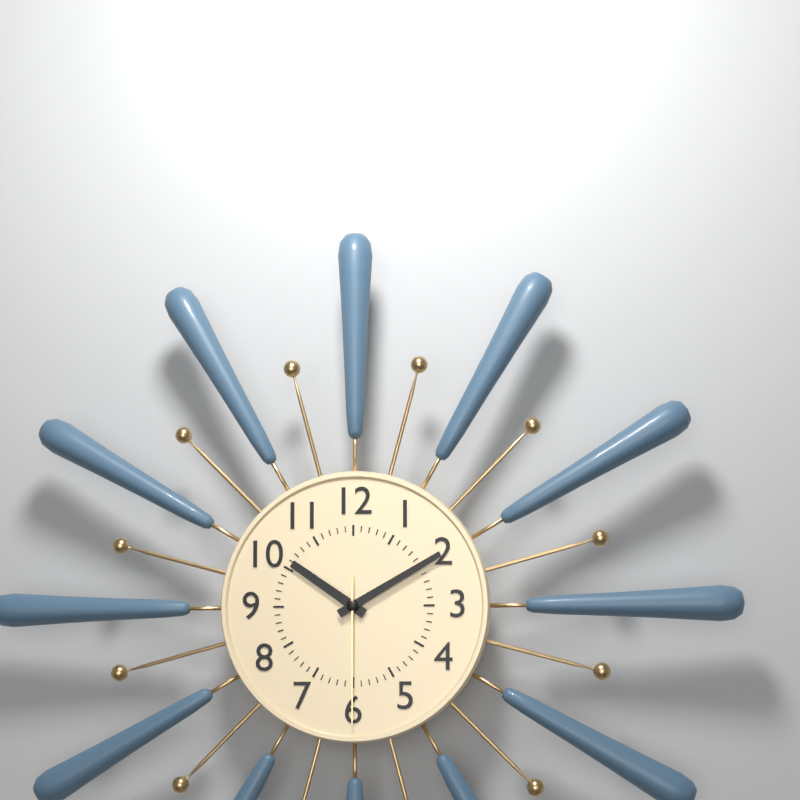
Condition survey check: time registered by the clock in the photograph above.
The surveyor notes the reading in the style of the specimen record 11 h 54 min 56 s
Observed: 10 h 10 min 30 s
